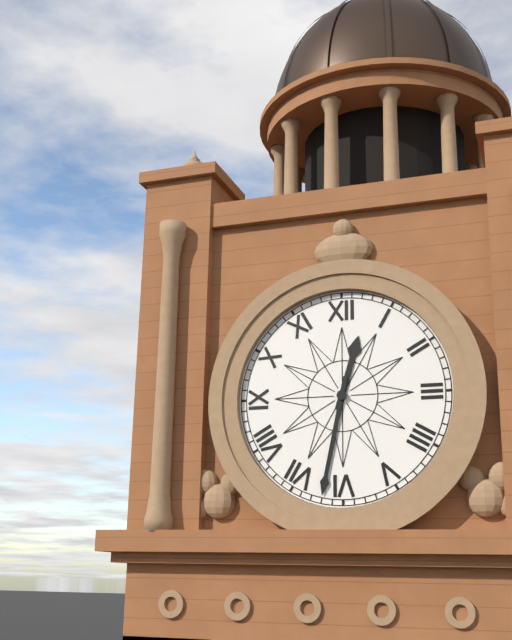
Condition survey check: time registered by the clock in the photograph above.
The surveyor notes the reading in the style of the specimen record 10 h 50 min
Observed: 12 h 32 min
